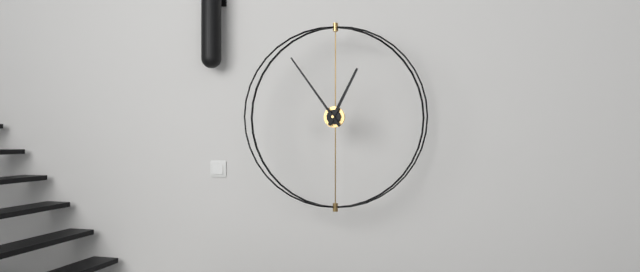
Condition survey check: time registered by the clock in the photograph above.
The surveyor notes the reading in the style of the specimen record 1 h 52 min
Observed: 12 h 54 min
